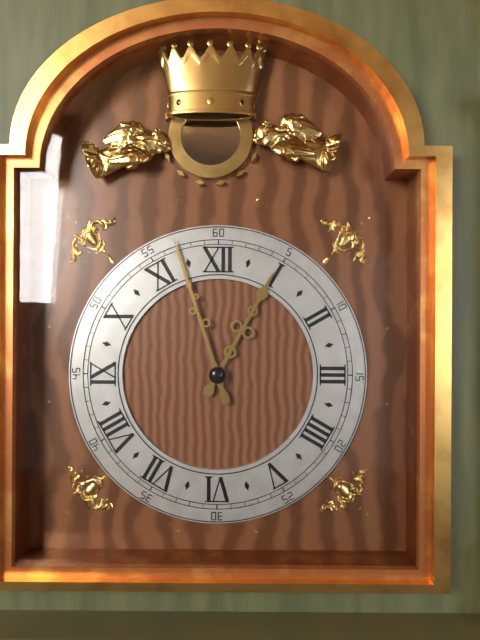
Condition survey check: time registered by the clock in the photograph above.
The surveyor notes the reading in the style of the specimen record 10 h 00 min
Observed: 12 h 57 min
